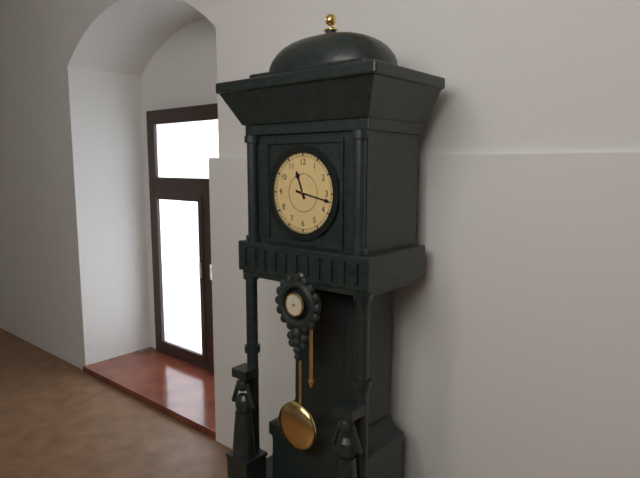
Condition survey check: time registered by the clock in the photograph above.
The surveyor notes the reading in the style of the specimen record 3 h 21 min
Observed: 11 h 17 min
